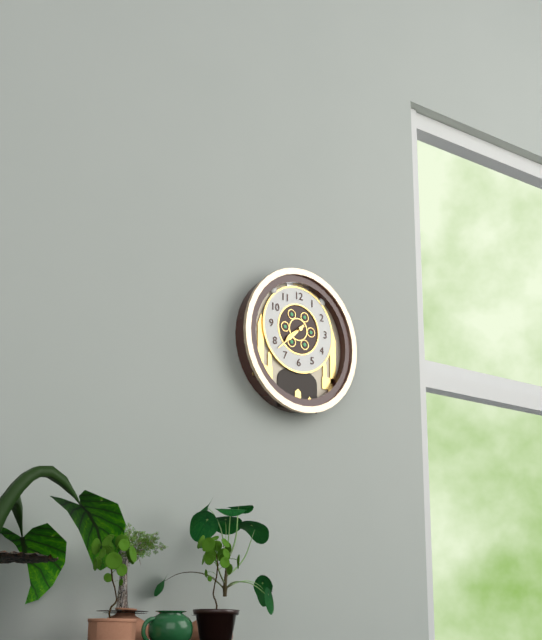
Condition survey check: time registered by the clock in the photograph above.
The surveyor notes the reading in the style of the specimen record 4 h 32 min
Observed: 7 h 38 min
